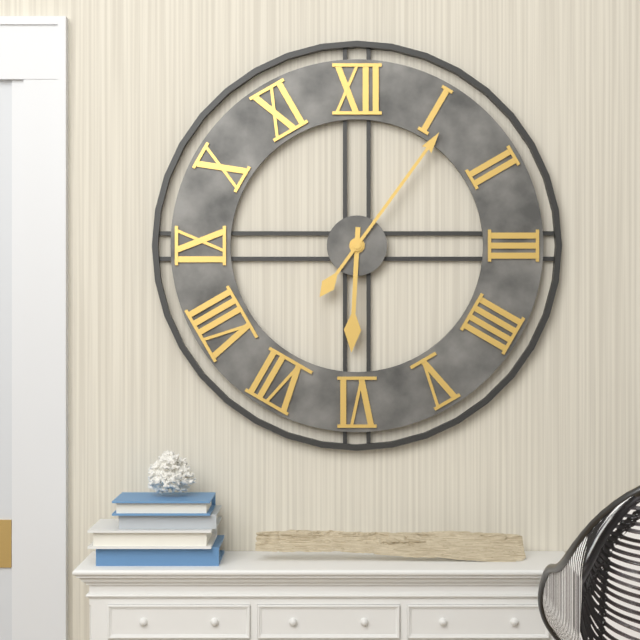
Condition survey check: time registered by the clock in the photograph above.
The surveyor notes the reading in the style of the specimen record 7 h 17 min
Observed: 6 h 06 min
